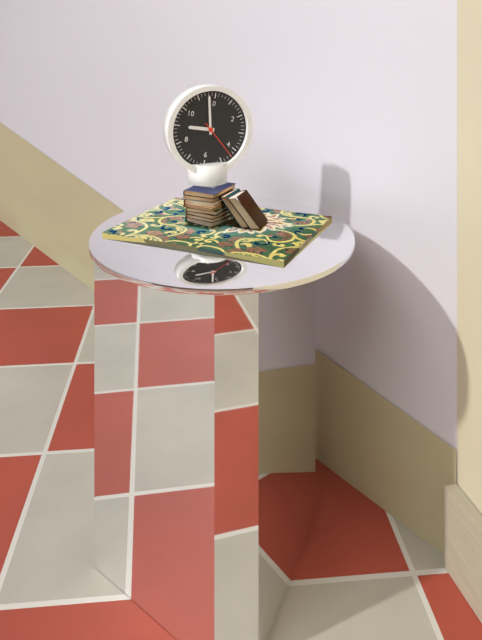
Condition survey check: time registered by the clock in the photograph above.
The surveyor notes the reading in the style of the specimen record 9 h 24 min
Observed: 8 h 58 min
